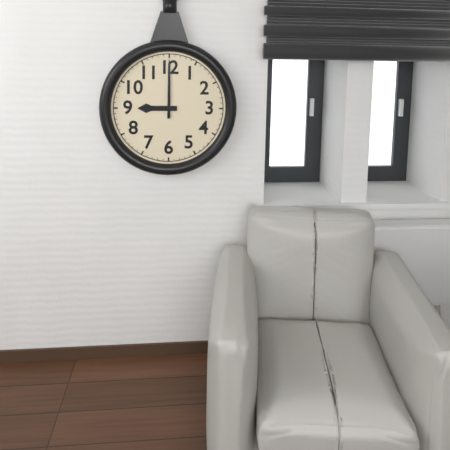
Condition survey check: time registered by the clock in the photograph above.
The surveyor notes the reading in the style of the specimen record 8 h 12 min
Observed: 9 h 00 min
